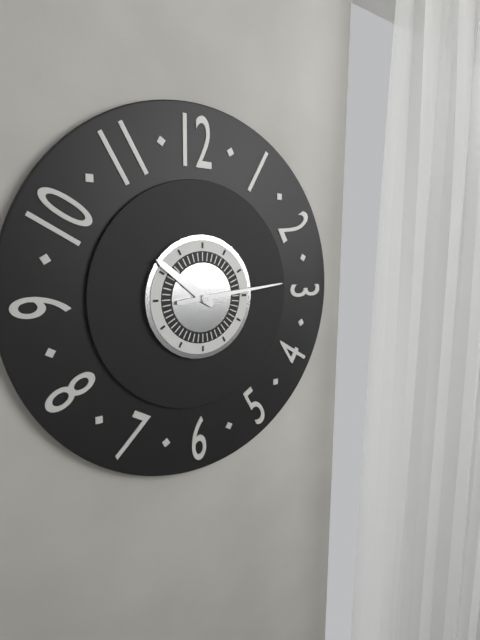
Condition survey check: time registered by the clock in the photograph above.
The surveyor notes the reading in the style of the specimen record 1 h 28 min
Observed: 10 h 14 min
